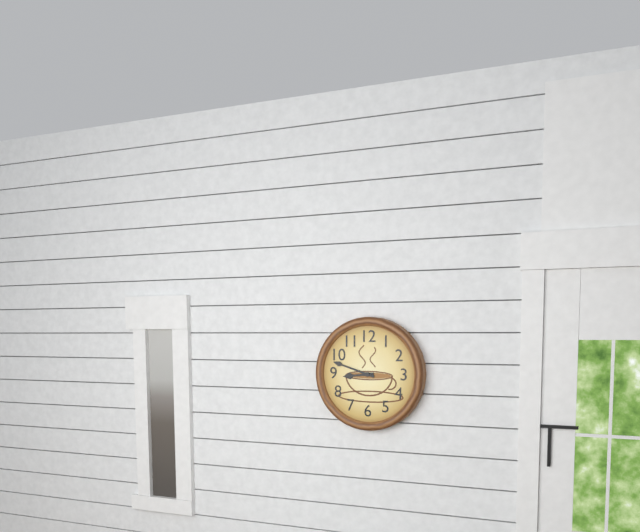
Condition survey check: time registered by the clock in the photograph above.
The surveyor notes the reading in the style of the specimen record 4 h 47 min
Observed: 8 h 48 min
